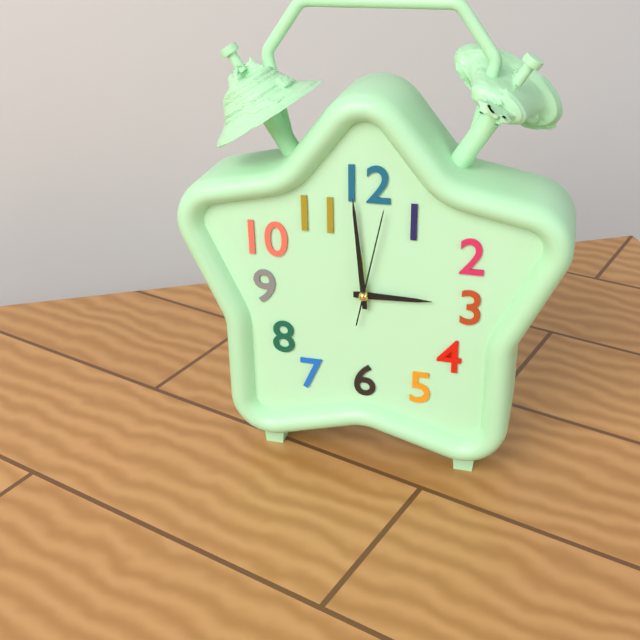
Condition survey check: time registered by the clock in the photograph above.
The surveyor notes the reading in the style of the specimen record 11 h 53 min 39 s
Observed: 2 h 59 min 02 s
